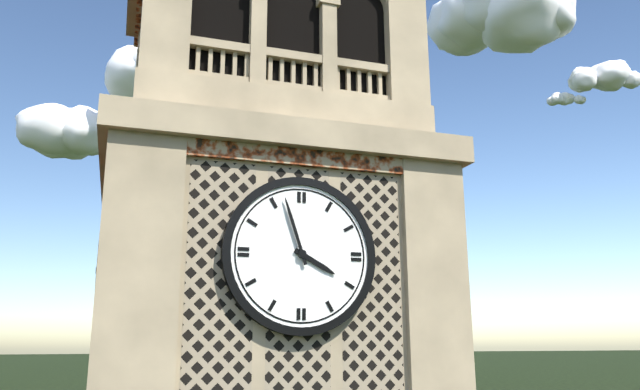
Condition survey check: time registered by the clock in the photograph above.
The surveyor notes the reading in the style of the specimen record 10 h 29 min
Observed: 3 h 57 min
